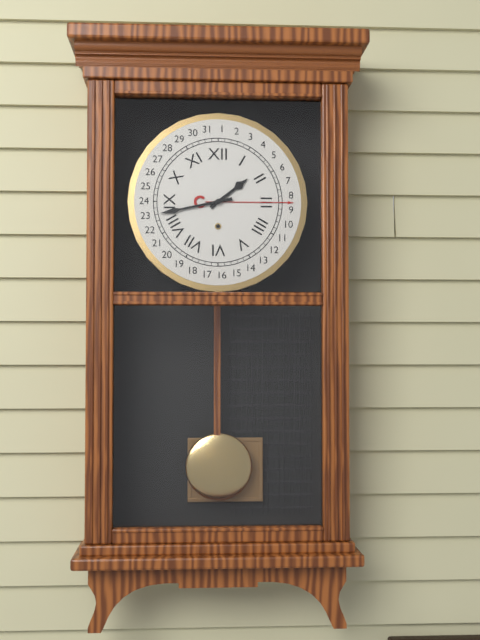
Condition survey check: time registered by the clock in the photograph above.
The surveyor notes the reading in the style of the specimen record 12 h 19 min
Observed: 1 h 43 min
